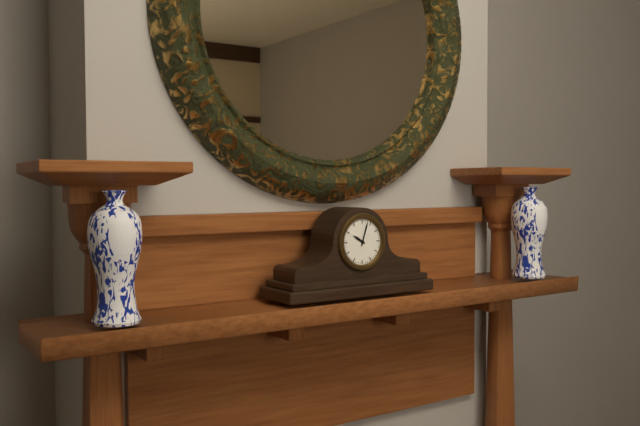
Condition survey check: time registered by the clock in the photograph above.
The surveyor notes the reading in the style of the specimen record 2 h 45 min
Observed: 10 h 03 min
